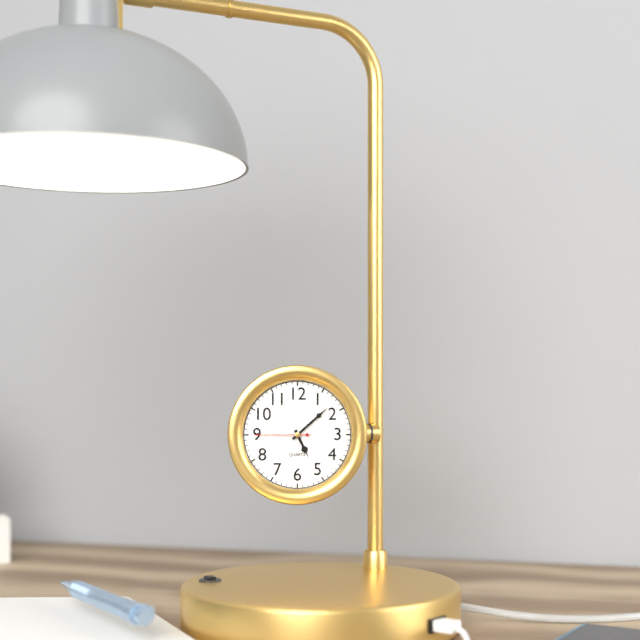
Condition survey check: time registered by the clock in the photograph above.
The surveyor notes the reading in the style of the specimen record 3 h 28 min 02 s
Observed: 5 h 08 min 45 s
